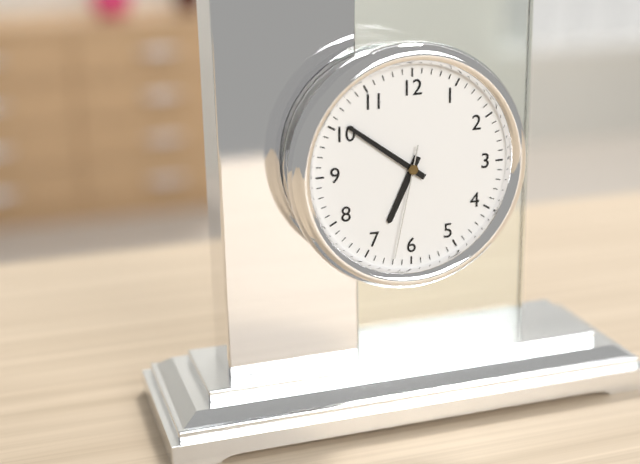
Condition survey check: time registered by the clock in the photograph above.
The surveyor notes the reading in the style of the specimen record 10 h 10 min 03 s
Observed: 6 h 51 min 32 s
